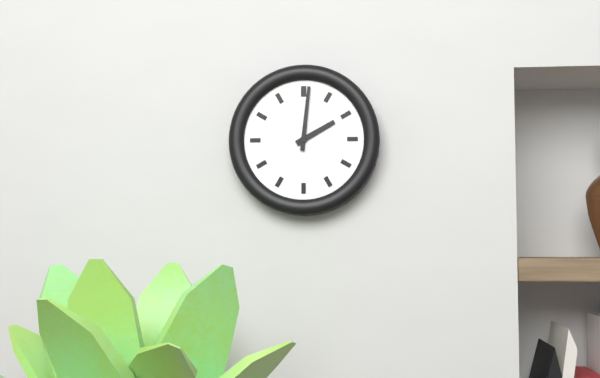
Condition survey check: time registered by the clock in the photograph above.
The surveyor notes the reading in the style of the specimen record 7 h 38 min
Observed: 2 h 01 min
